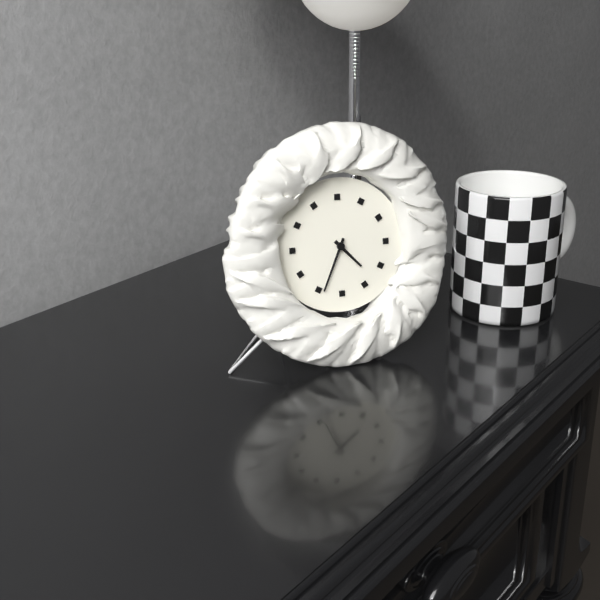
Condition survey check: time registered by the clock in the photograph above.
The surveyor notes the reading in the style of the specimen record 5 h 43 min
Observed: 4 h 34 min
